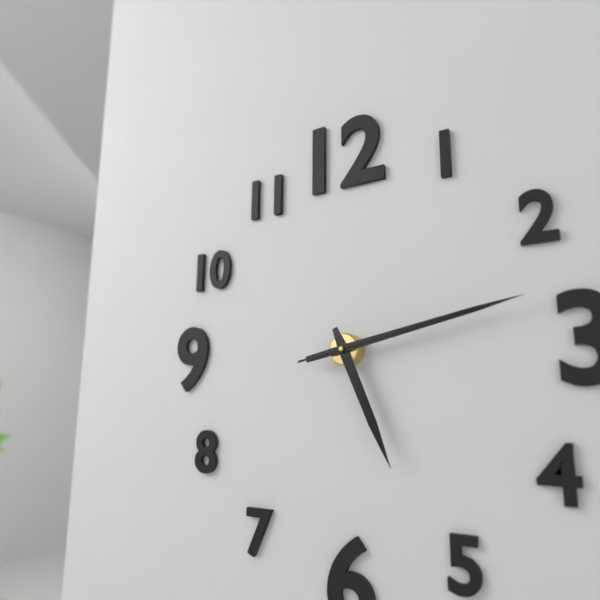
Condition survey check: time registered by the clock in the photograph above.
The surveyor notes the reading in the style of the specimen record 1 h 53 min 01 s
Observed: 5 h 13 min 13 s
